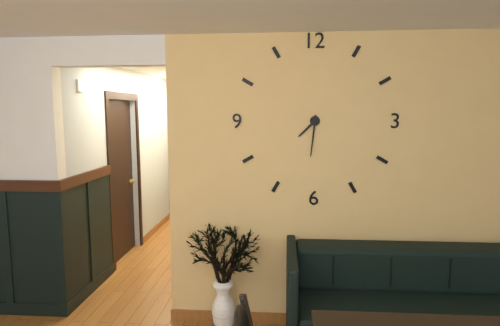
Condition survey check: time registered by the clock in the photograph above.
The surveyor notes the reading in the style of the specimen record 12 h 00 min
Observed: 7 h 31 min
